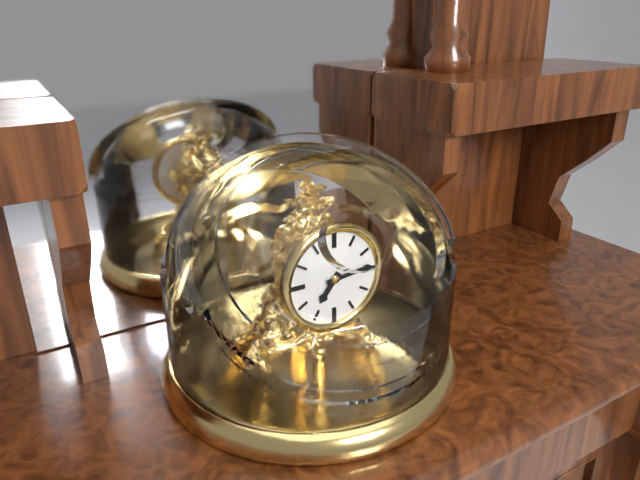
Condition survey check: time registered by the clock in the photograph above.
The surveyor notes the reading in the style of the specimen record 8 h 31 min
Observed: 7 h 14 min
